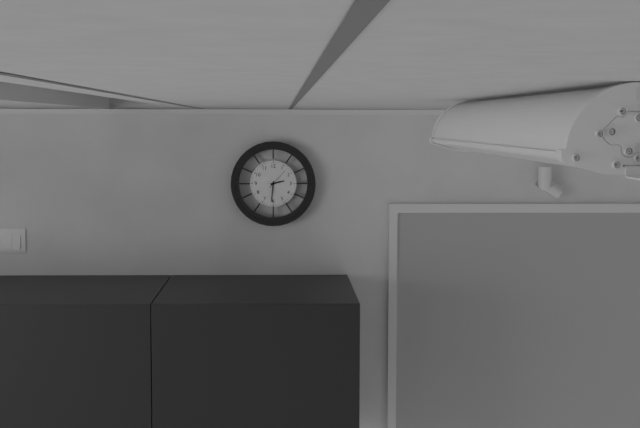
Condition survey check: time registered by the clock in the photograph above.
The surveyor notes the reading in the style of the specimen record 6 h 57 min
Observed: 2 h 31 min
